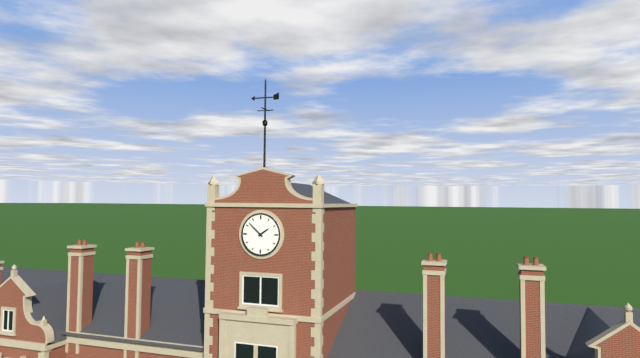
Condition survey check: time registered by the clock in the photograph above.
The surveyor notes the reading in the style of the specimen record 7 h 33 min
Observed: 1 h 52 min
